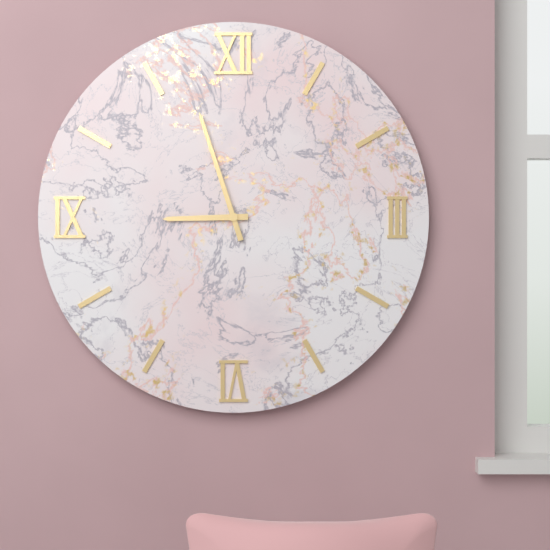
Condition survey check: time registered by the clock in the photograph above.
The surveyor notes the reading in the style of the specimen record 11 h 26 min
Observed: 8 h 57 min
